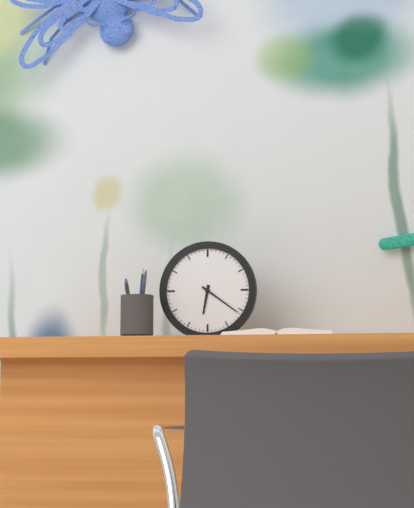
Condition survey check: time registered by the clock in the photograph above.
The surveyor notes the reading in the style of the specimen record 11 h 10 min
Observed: 6 h 21 min
